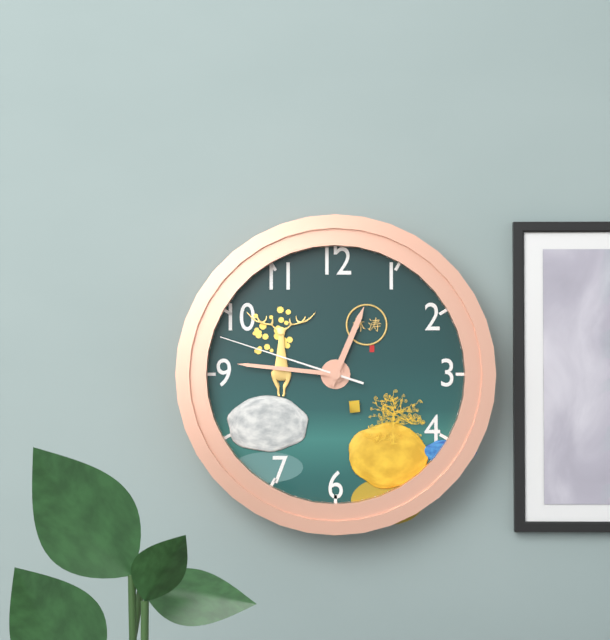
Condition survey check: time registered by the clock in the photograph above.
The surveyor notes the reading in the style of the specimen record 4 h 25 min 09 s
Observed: 12 h 46 min 48 s
